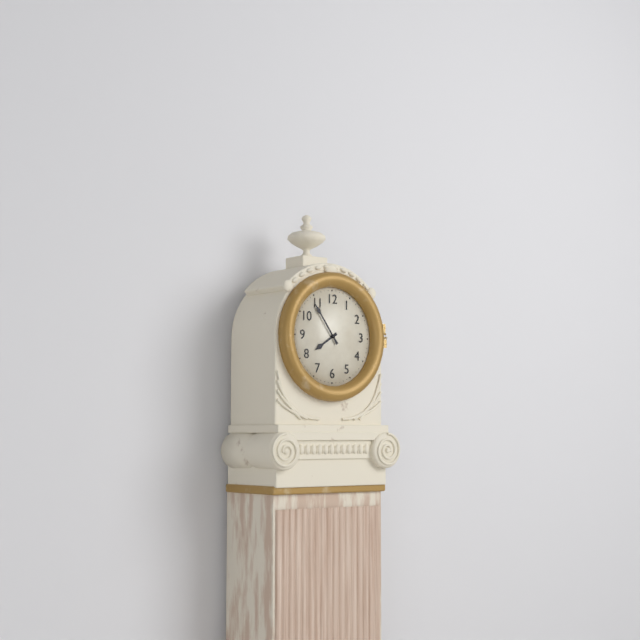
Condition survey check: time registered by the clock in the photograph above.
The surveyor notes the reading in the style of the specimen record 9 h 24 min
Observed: 7 h 54 min
